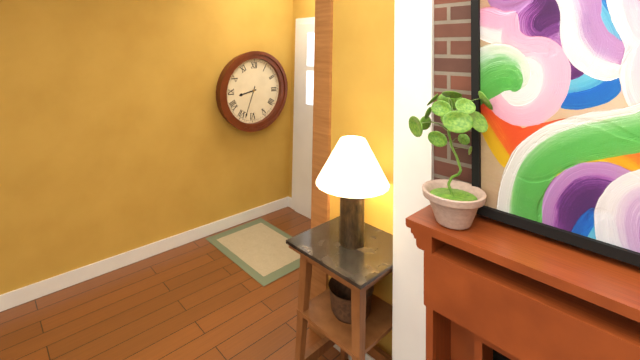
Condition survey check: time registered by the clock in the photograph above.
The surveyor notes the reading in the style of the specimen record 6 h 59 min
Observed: 8 h 33 min
